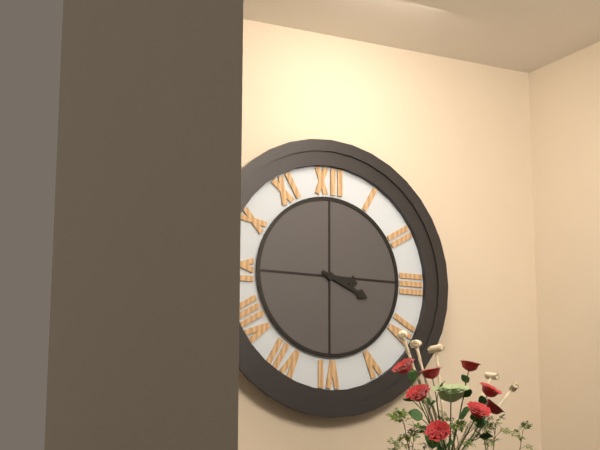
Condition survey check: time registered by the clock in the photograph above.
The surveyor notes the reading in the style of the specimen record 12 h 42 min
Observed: 3 h 19 min
